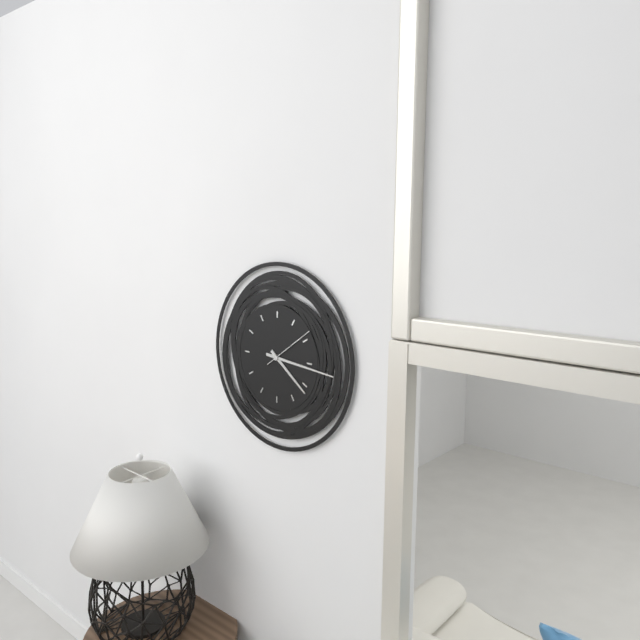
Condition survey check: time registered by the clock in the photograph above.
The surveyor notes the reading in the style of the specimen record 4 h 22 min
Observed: 4 h 16 min
